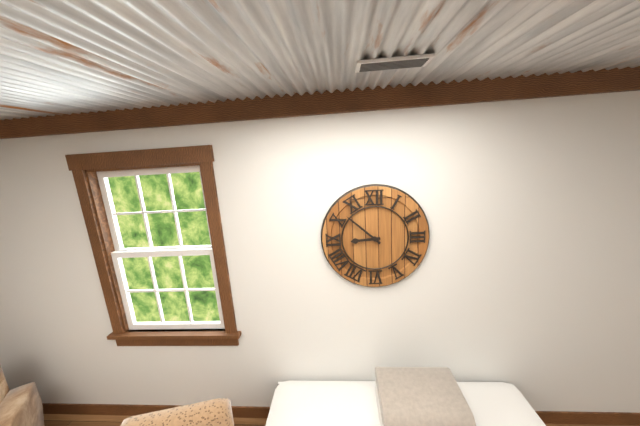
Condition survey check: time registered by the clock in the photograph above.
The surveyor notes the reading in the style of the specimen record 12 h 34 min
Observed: 8 h 52 min
